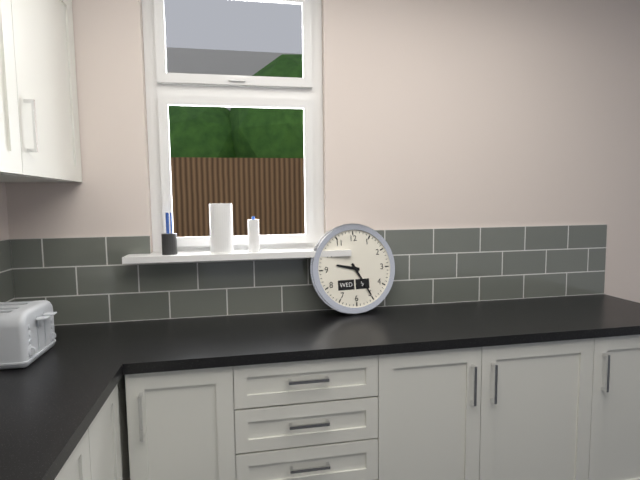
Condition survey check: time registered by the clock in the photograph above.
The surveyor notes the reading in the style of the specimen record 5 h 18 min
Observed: 9 h 25 min
